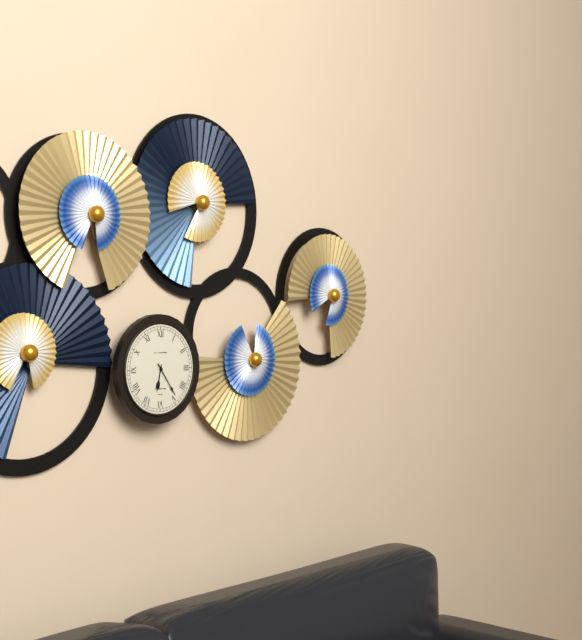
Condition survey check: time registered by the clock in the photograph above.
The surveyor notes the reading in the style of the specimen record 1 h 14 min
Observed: 6 h 24 min
